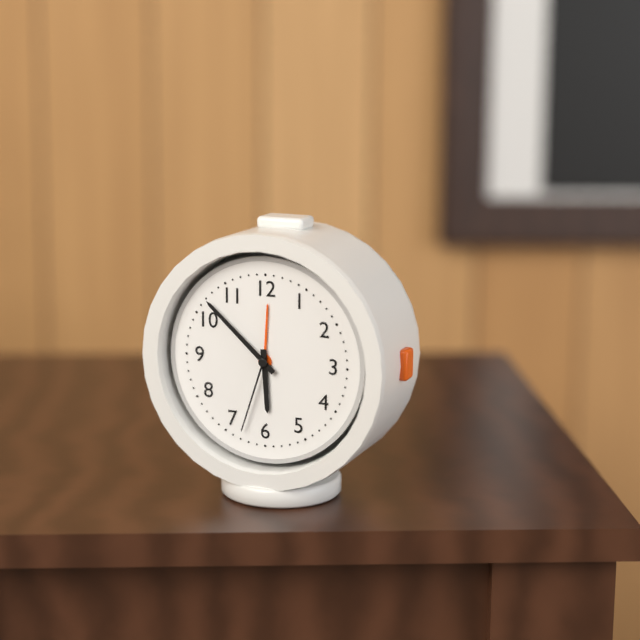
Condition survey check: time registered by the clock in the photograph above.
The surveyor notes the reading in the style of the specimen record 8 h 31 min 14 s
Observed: 5 h 52 min 33 s
